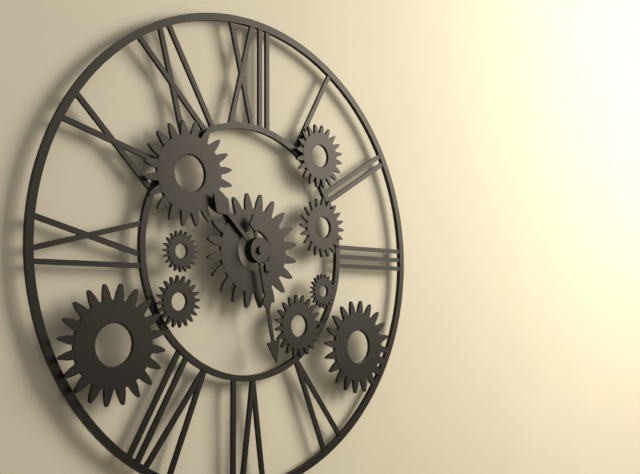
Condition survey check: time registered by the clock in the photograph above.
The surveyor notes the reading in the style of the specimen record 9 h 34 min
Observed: 10 h 28 min
